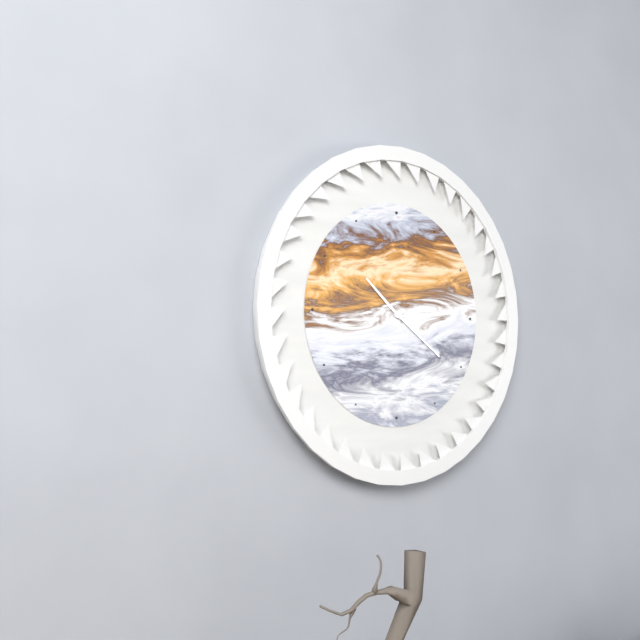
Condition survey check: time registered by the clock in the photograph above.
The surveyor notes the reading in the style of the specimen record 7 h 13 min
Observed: 10 h 21 min
